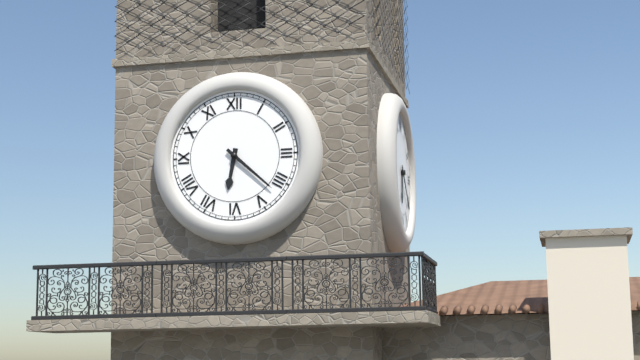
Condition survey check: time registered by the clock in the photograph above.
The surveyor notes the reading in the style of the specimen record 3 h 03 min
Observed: 6 h 22 min
